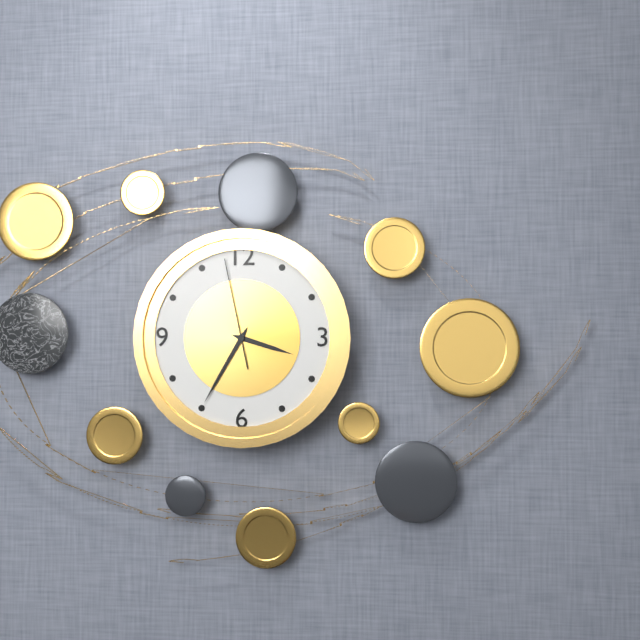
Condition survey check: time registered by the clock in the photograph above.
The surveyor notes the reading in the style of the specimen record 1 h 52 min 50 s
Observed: 3 h 35 min 58 s
